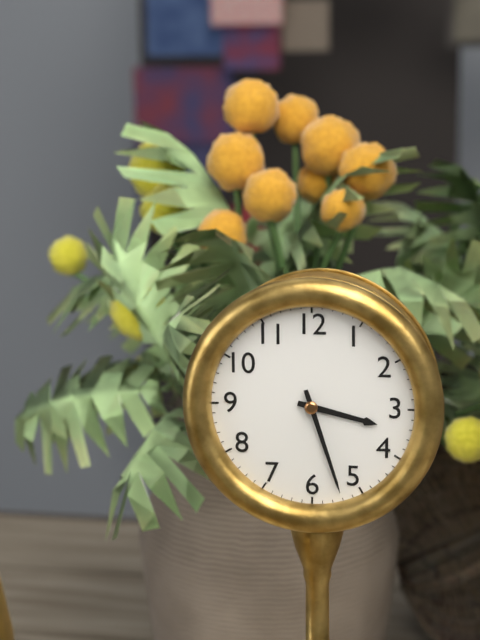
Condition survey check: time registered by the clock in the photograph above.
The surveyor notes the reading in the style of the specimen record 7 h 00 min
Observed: 3 h 27 min
